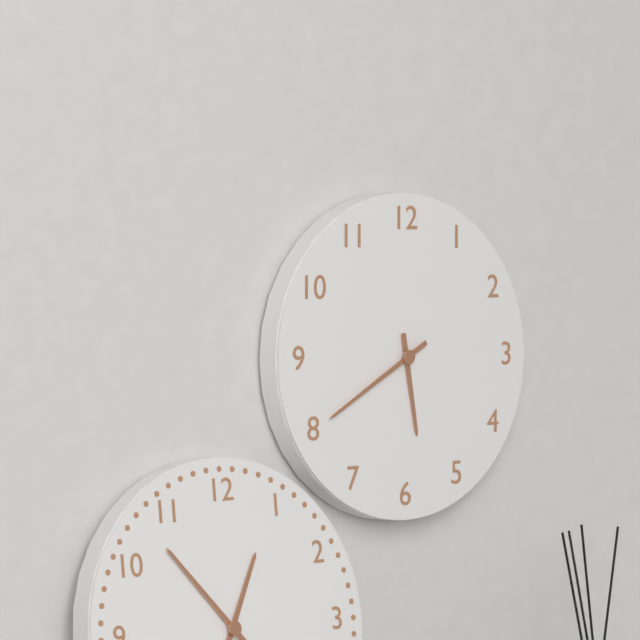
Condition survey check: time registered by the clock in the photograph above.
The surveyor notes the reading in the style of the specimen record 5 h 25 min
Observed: 5 h 40 min
